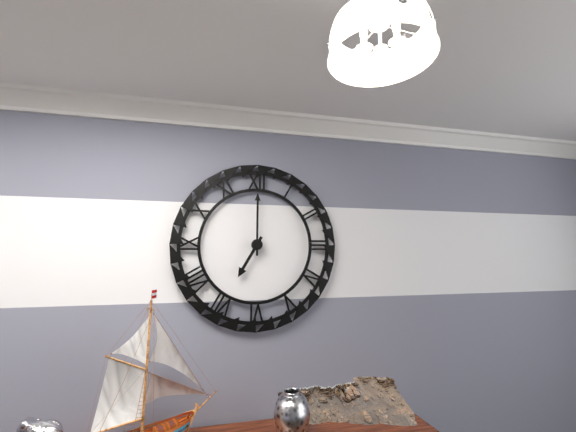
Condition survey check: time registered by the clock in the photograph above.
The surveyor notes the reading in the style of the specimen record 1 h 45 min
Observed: 7 h 00 min
